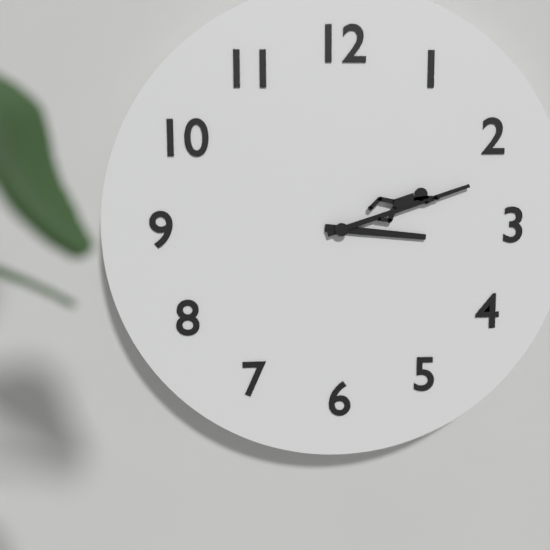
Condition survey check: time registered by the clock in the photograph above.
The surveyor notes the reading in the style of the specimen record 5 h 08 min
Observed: 3 h 12 min
